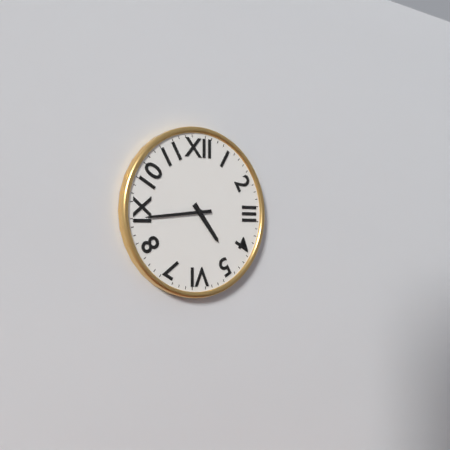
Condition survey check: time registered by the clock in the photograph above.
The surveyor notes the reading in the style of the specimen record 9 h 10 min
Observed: 4 h 44 min
